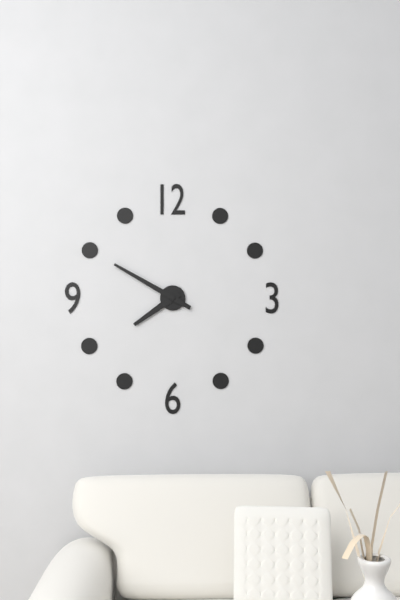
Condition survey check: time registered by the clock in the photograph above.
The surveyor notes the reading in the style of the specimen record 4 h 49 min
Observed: 7 h 50 min
